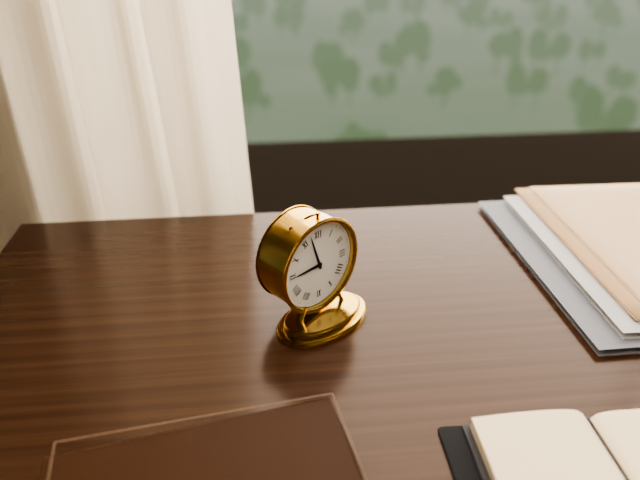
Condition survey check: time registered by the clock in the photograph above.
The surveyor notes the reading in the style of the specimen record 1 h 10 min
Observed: 8 h 57 min
